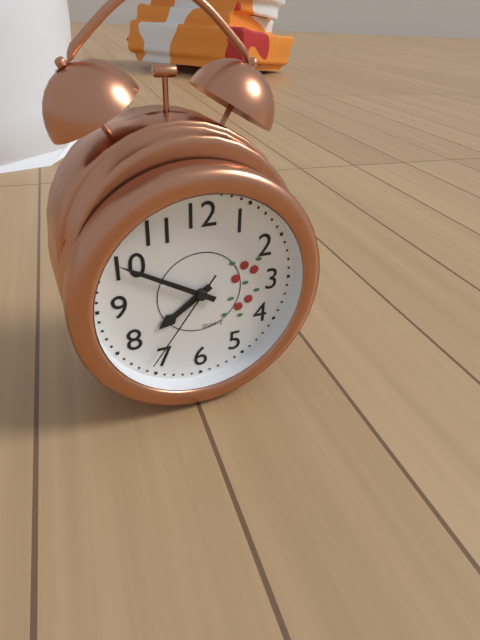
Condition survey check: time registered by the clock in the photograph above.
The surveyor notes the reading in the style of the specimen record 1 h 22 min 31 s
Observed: 7 h 50 min 36 s
